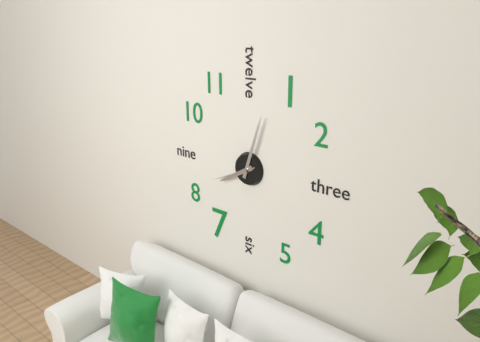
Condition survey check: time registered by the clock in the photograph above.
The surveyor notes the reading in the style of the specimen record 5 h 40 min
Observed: 8 h 03 min
